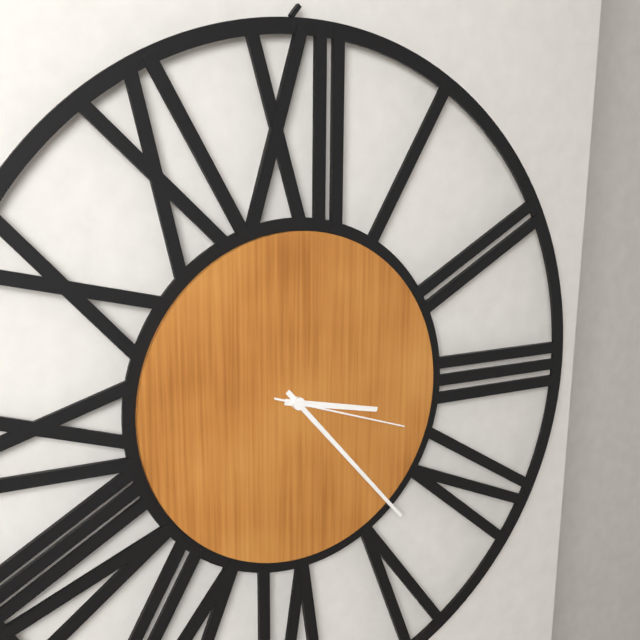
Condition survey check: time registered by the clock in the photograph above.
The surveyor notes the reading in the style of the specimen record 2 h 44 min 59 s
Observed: 3 h 23 min 18 s
